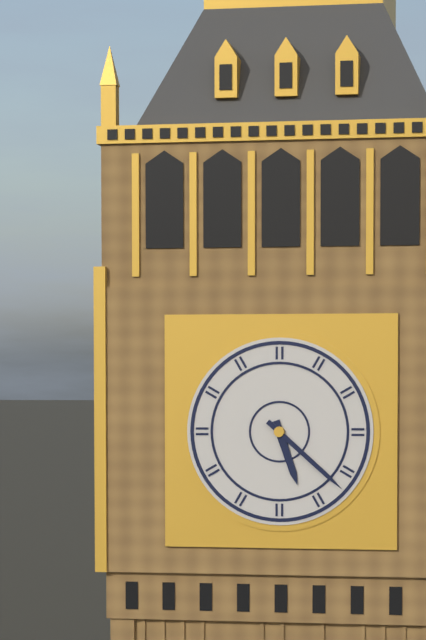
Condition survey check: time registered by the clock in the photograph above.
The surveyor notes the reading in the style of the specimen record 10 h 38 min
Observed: 5 h 22 min
